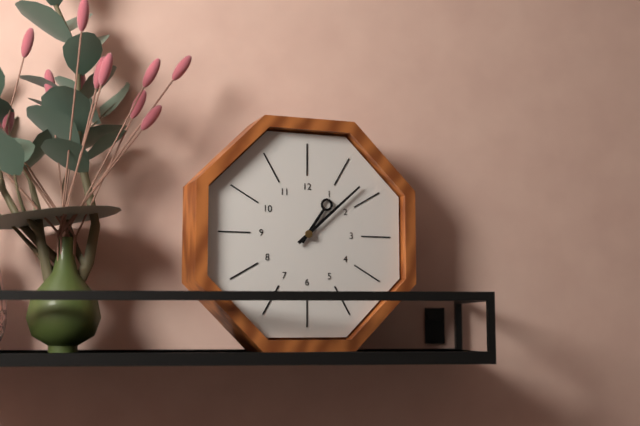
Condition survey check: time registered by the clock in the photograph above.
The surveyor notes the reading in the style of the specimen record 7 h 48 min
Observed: 1 h 08 min
